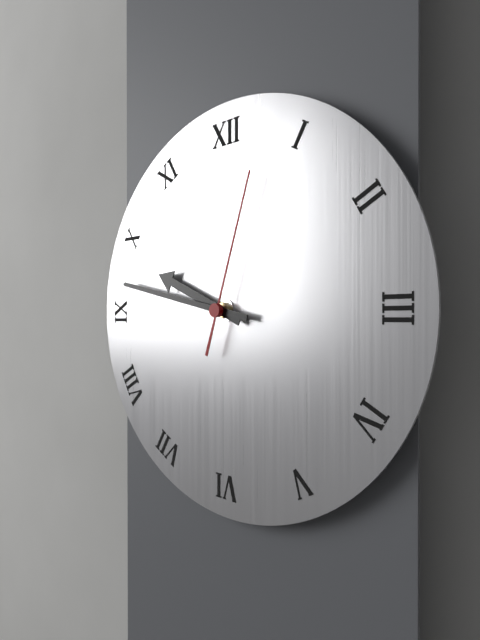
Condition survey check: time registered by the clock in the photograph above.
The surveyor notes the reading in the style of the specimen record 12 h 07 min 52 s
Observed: 9 h 47 min 03 s
